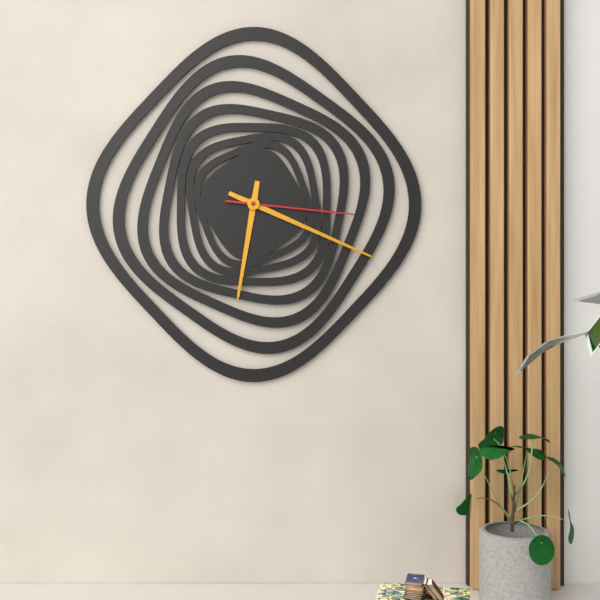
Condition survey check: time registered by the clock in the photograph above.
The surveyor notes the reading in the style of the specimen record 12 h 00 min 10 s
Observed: 6 h 19 min 16 s
